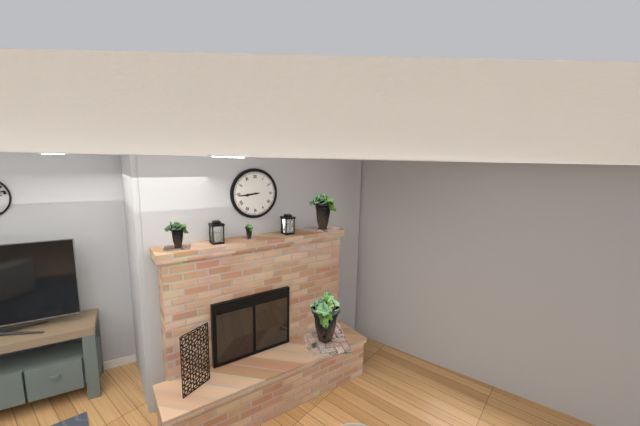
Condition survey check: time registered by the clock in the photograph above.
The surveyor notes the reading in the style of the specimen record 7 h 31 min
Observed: 8 h 44 min
